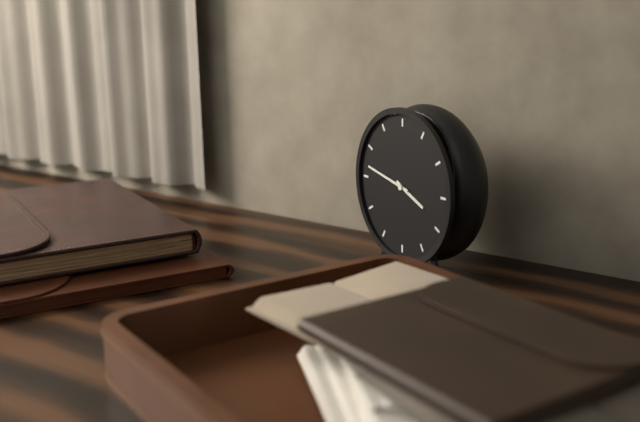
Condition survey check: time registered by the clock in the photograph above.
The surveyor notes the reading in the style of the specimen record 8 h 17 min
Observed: 3 h 47 min
